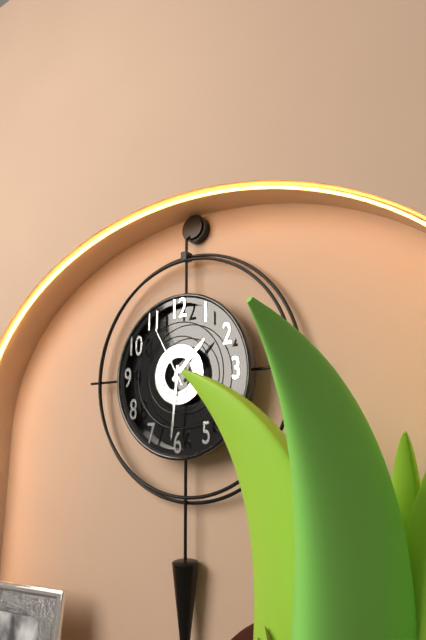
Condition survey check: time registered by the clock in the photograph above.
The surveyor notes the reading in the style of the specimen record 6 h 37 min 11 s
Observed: 1 h 31 min 55 s
